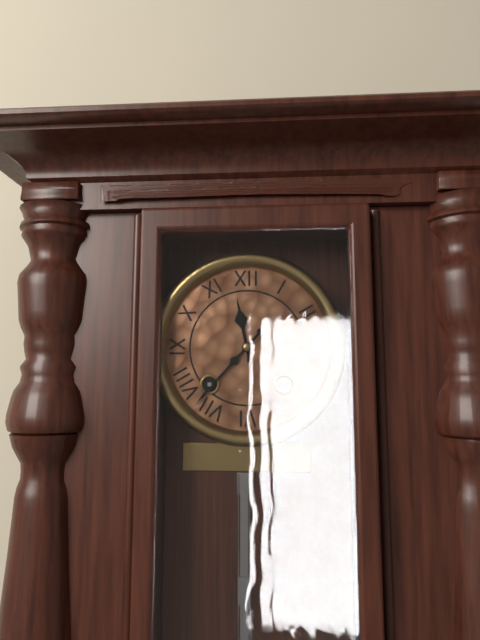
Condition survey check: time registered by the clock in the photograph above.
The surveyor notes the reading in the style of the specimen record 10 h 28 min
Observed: 11 h 37 min
